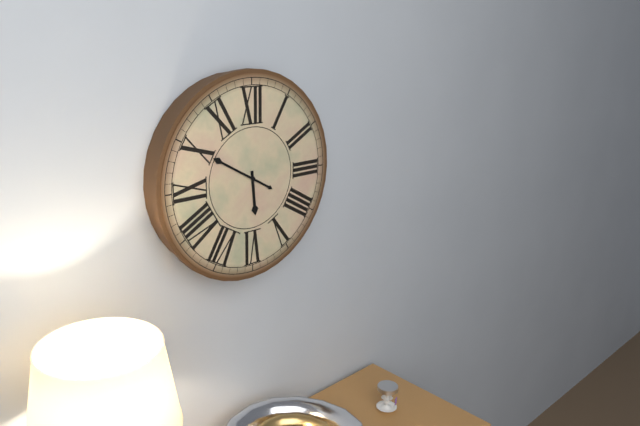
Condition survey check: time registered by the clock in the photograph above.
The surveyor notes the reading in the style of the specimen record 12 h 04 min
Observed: 5 h 50 min
